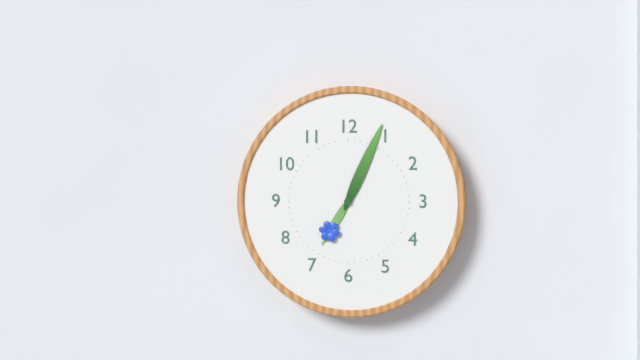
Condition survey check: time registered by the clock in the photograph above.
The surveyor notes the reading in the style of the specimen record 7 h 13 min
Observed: 7 h 04 min
